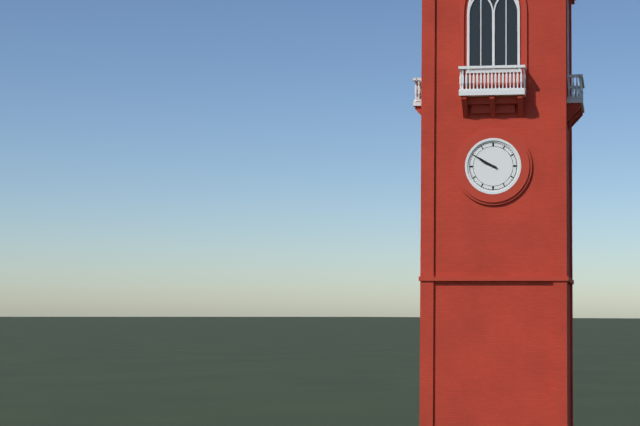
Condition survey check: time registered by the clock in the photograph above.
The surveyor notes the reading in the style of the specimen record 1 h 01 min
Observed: 9 h 50 min
